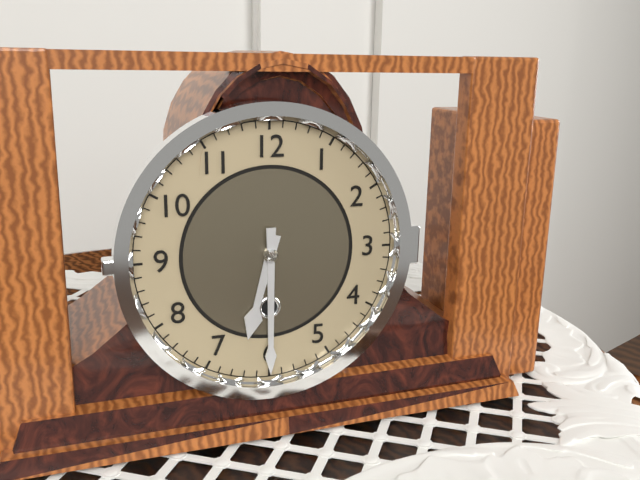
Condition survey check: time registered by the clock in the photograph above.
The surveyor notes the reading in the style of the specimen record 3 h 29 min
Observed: 6 h 30 min
